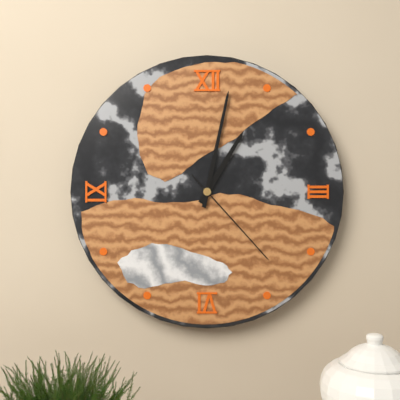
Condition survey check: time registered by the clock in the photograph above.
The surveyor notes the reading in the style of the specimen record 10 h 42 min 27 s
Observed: 1 h 02 min 23 s
